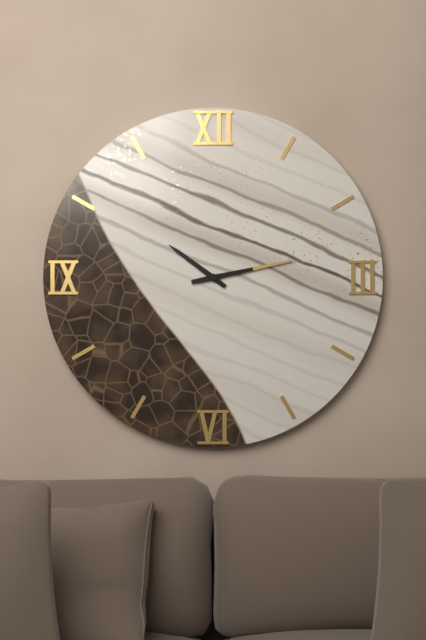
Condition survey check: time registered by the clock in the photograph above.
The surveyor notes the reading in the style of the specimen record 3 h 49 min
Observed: 10 h 13 min
